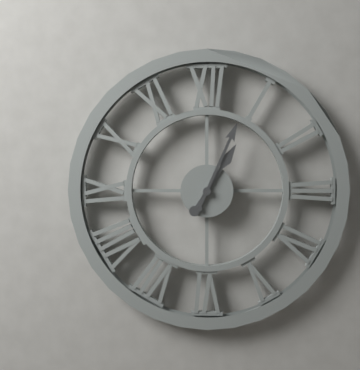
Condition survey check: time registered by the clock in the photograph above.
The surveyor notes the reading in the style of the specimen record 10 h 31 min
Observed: 1 h 04 min
